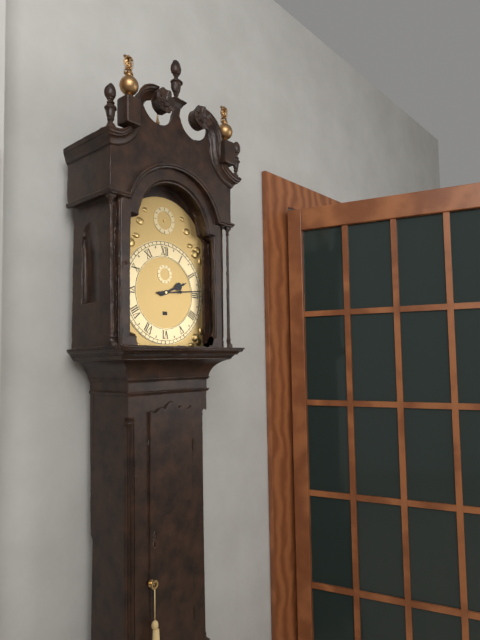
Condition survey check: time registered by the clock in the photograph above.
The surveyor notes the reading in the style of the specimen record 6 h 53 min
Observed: 2 h 14 min
